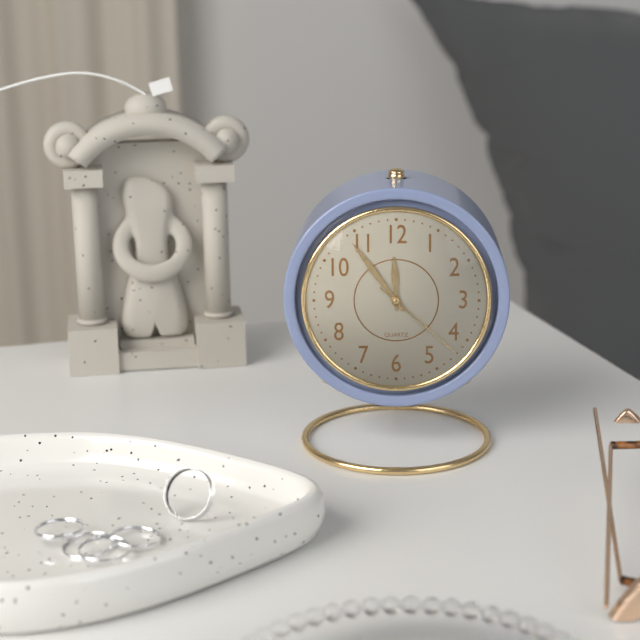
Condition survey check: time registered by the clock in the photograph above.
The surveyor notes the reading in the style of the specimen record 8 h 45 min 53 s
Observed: 11 h 54 min 22 s
